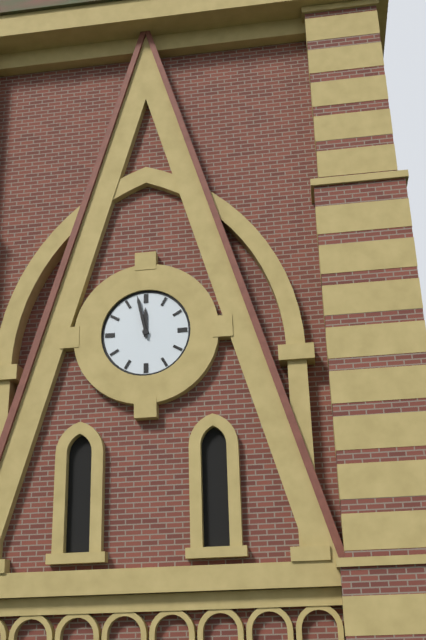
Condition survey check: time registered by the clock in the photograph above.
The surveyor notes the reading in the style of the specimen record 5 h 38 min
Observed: 11 h 58 min
